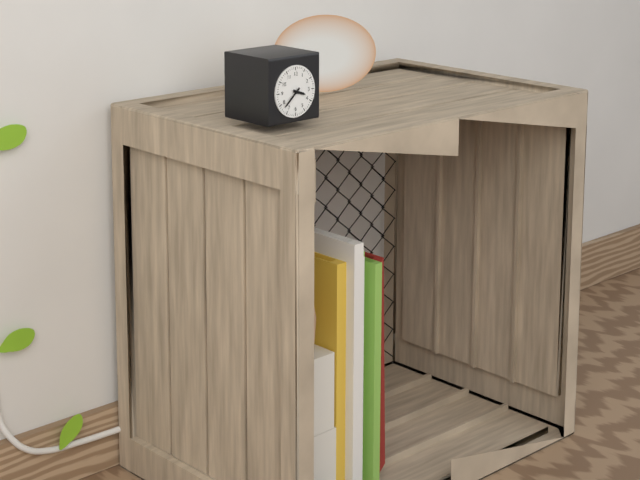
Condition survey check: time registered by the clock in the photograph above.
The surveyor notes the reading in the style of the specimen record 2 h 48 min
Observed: 3 h 38 min
